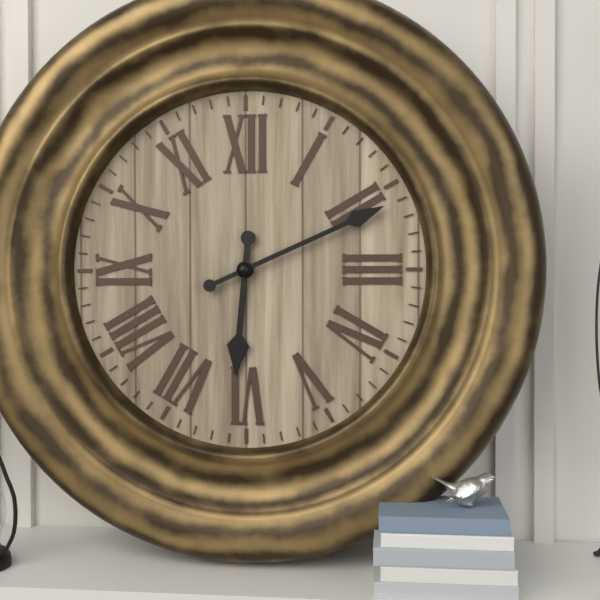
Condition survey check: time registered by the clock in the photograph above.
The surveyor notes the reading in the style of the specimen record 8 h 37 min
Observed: 6 h 11 min
